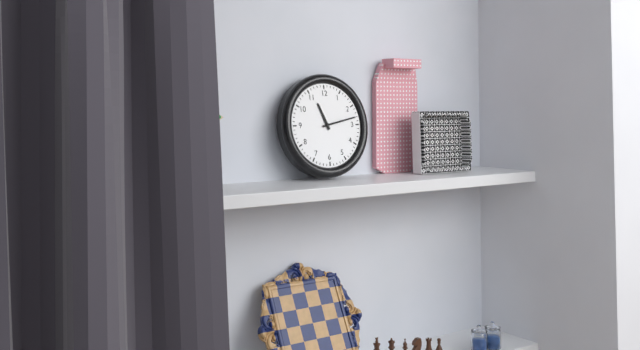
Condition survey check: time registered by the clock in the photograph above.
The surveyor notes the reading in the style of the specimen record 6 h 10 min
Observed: 11 h 13 min
